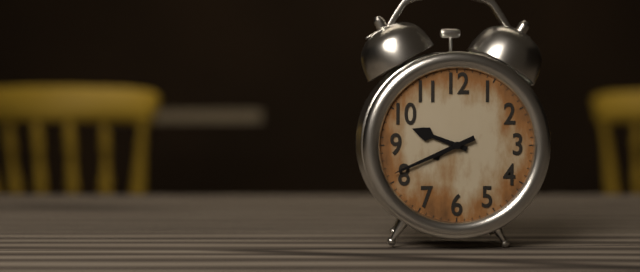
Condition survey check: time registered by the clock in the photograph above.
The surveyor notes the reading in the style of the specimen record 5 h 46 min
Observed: 9 h 41 min
